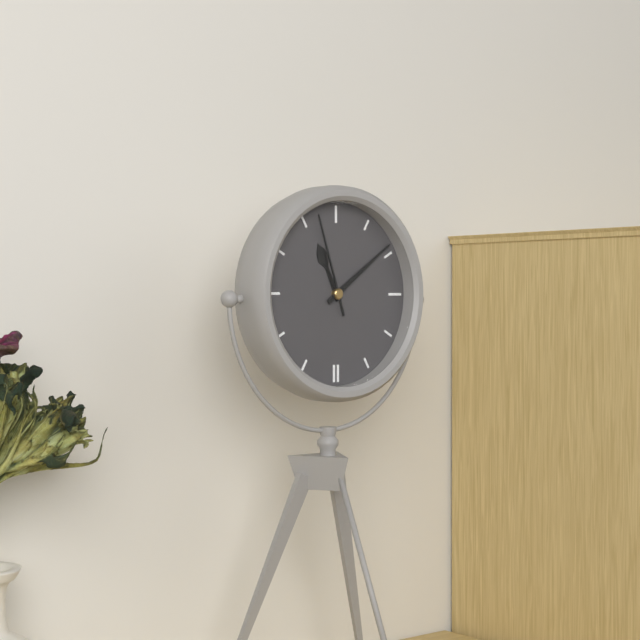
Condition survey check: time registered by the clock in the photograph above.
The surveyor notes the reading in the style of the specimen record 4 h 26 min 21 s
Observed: 11 h 09 min 57 s
